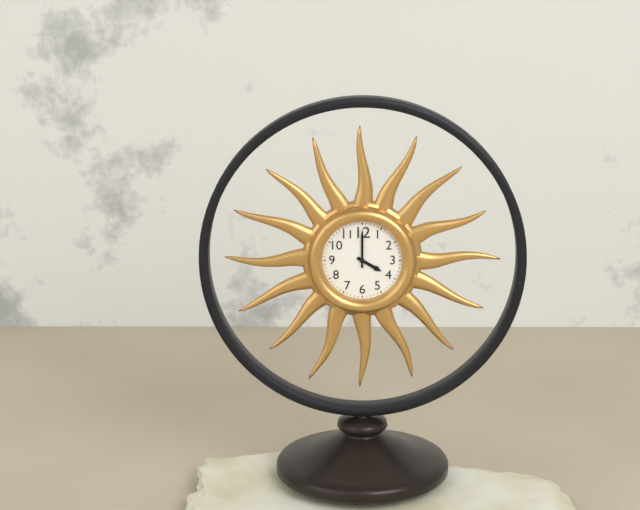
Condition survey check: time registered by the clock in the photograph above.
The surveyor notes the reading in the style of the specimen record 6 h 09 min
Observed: 4 h 00 min
